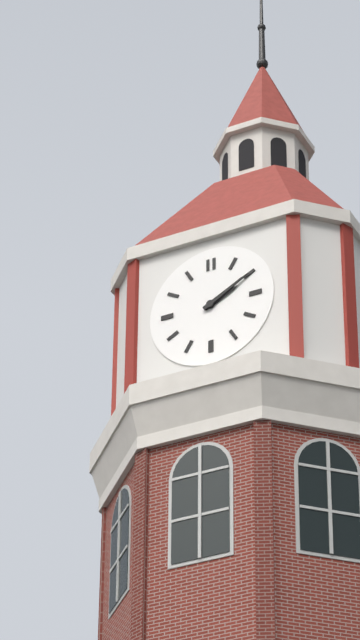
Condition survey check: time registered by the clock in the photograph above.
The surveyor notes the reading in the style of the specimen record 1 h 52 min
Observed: 2 h 10 min
